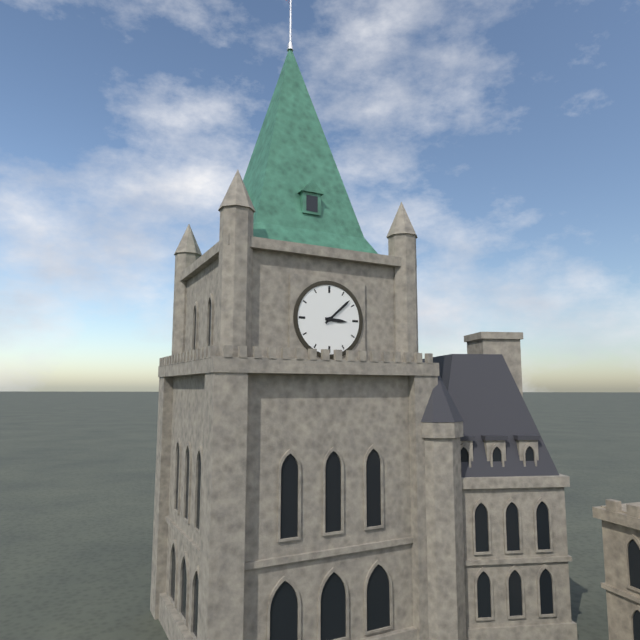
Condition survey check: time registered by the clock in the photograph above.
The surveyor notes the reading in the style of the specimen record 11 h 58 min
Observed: 3 h 08 min
